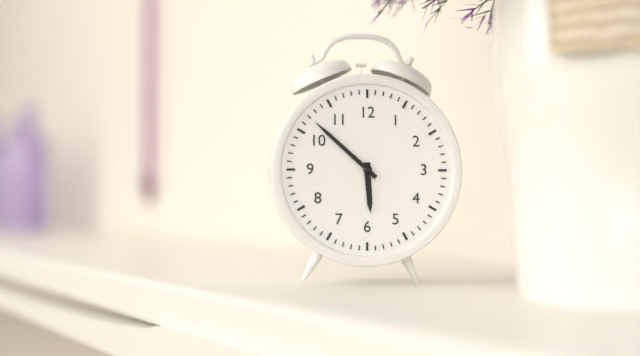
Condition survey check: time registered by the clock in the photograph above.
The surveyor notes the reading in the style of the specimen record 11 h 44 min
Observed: 5 h 52 min
